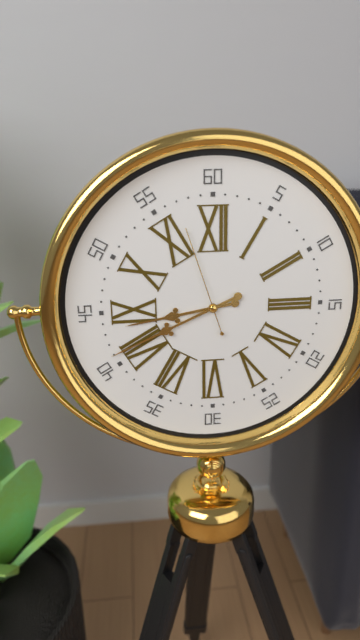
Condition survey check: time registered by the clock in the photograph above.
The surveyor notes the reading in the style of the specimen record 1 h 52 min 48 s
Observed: 8 h 41 min 57 s
